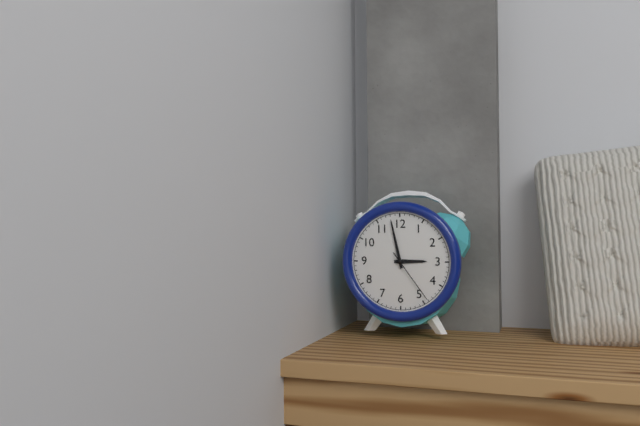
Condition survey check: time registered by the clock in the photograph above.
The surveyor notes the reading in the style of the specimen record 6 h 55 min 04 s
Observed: 2 h 58 min 24 s
